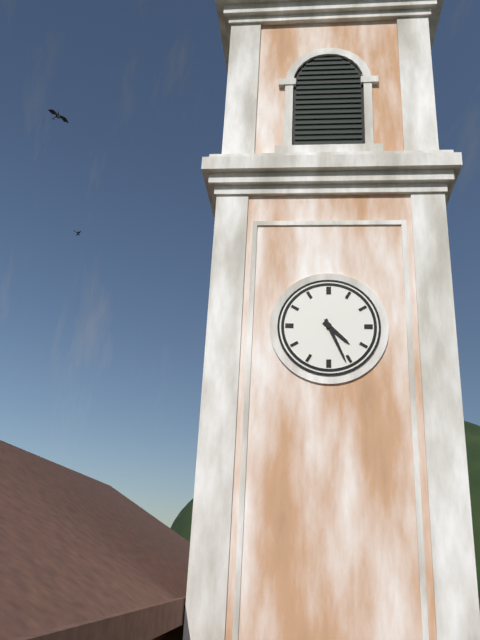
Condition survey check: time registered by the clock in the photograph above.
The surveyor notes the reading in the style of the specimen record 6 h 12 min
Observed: 4 h 26 min
